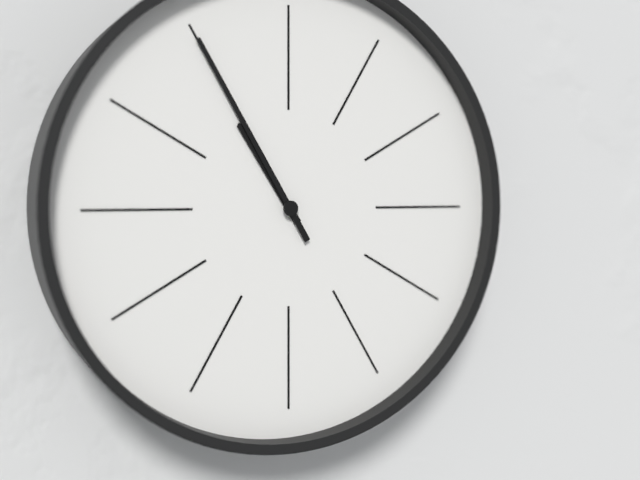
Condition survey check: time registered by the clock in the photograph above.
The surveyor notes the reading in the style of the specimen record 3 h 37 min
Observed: 10 h 55 min
